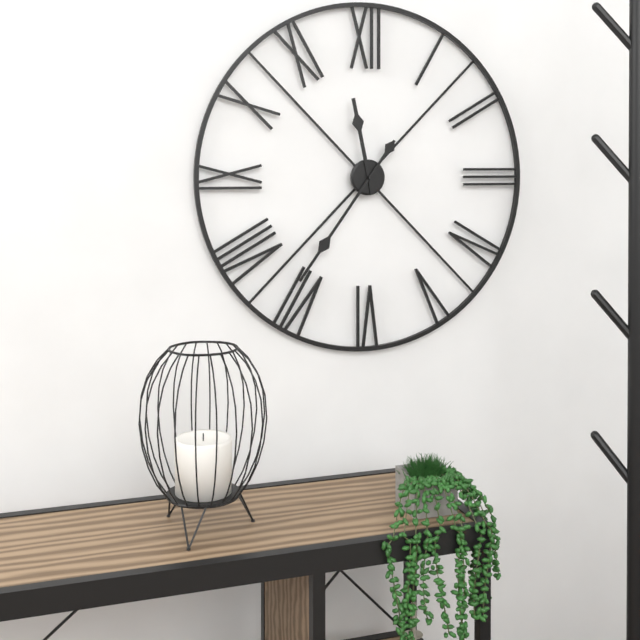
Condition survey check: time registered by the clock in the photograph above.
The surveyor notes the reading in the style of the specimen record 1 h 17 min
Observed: 11 h 36 min
